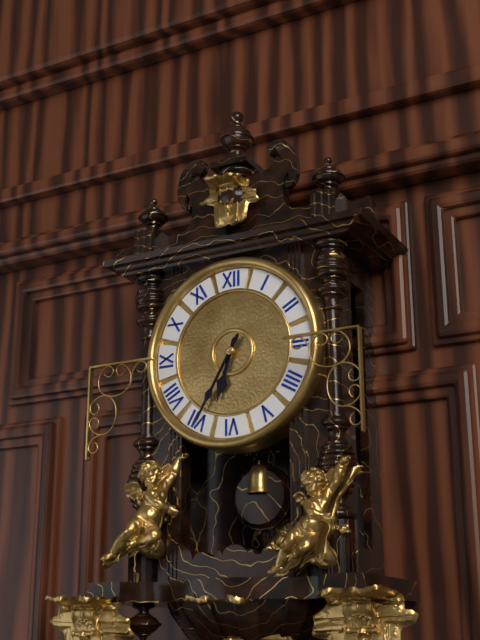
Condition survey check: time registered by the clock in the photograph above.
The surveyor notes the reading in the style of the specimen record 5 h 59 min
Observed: 6 h 35 min
